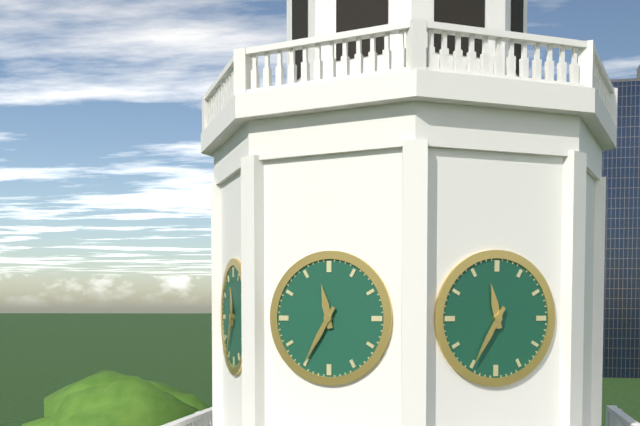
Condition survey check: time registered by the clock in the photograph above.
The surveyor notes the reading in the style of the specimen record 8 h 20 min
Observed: 11 h 35 min
